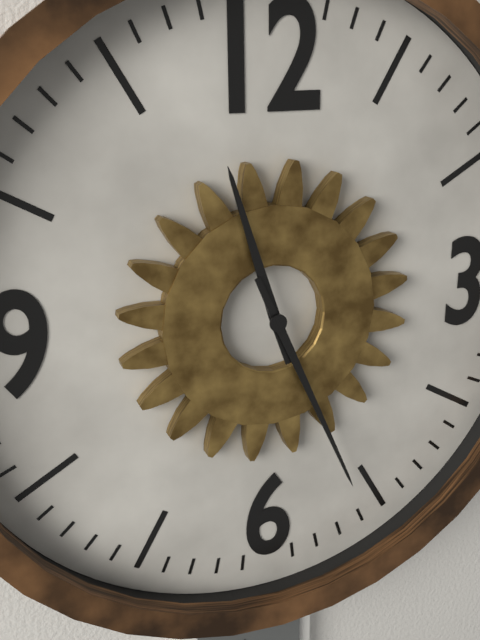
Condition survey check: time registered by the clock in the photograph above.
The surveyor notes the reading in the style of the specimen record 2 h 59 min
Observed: 11 h 26 min
